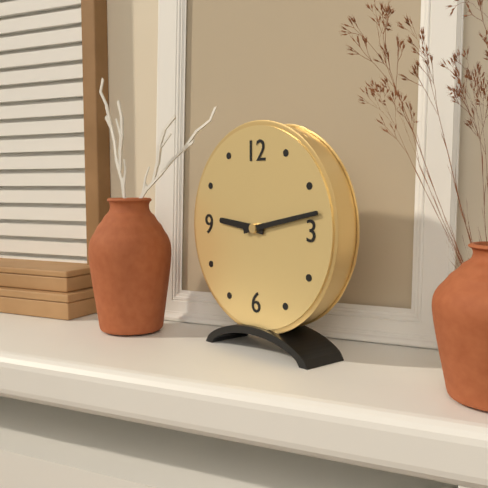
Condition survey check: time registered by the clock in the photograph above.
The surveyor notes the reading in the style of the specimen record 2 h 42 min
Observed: 9 h 13 min
